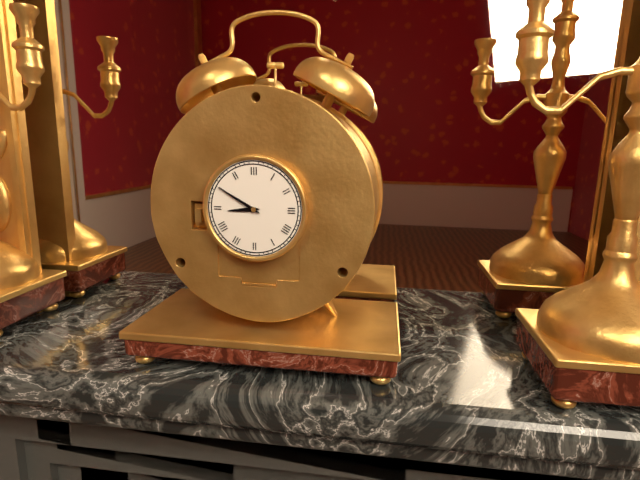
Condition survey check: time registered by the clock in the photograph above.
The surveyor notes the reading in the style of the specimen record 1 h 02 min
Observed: 8 h 50 min
